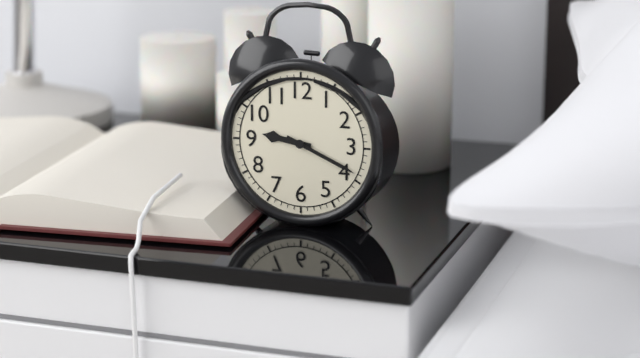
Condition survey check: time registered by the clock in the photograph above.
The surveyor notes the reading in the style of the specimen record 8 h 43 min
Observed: 9 h 19 min
